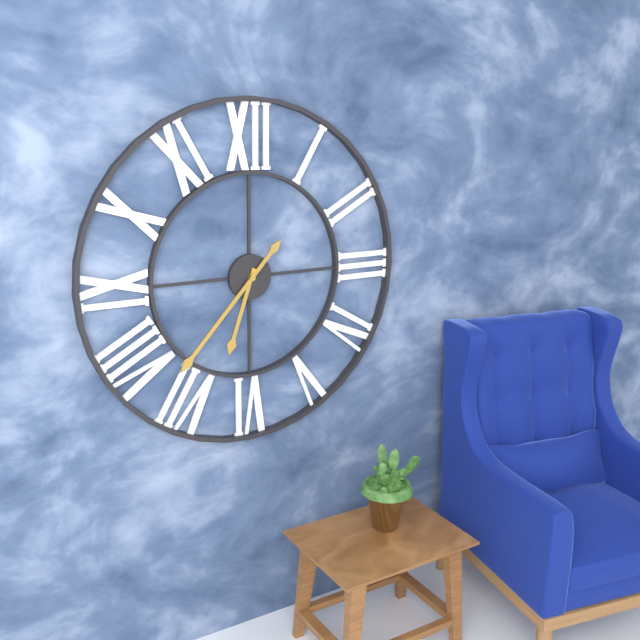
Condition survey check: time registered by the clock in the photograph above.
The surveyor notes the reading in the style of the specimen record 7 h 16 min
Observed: 6 h 37 min
